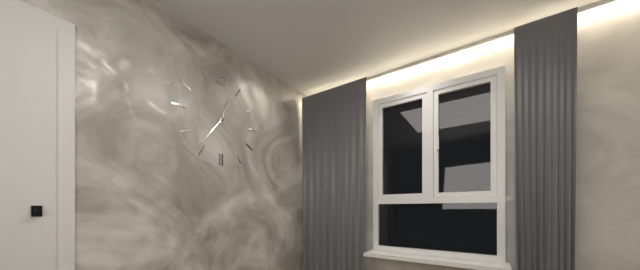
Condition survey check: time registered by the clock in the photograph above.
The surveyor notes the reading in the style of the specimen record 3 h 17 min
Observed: 12 h 36 min
